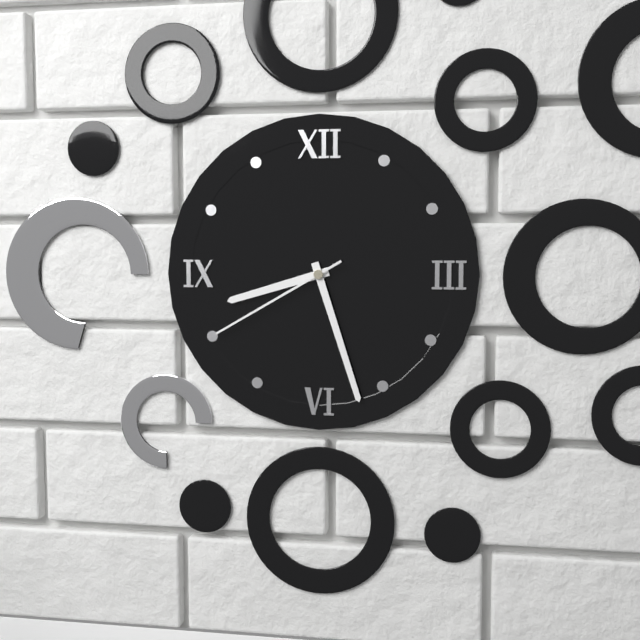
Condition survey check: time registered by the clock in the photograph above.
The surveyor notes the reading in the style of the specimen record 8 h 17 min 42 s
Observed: 8 h 27 min 40 s
